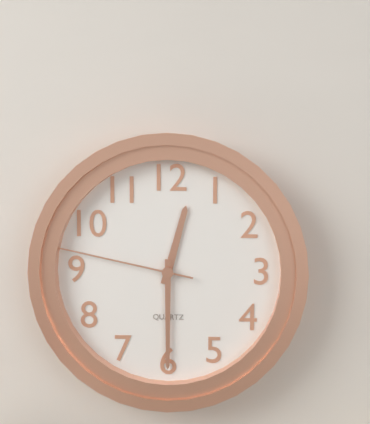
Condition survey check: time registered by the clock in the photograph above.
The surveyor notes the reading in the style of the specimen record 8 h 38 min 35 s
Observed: 12 h 30 min 47 s
